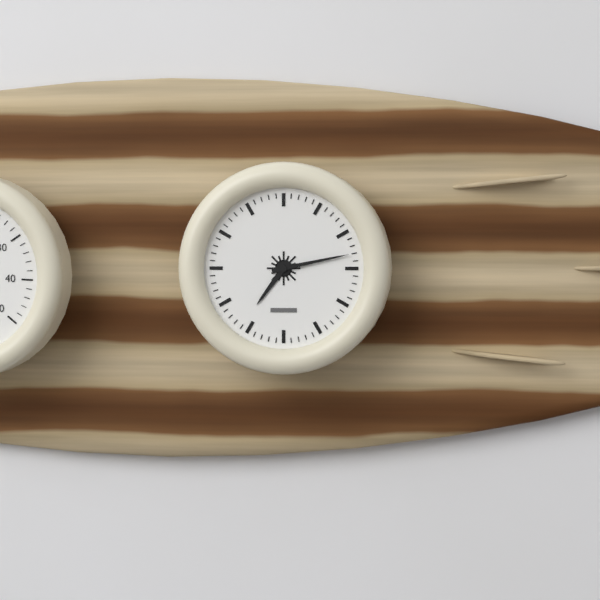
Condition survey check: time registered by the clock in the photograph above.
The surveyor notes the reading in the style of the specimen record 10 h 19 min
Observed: 7 h 13 min
